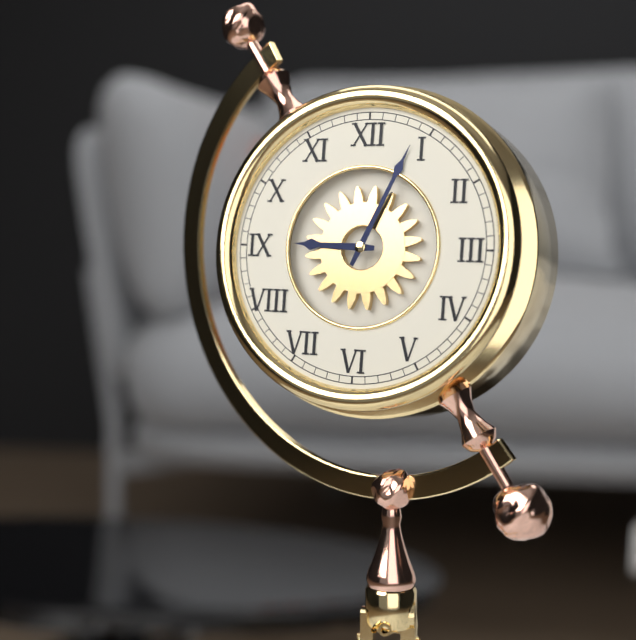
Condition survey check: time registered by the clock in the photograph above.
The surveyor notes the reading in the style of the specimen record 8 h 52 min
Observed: 9 h 04 min
